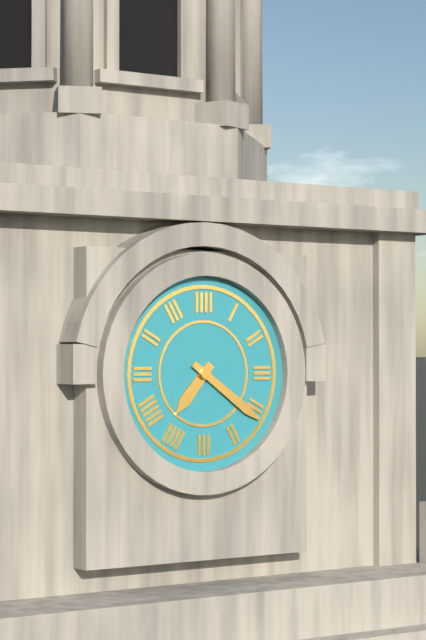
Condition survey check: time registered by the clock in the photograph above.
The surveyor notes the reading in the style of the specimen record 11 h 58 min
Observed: 7 h 21 min
